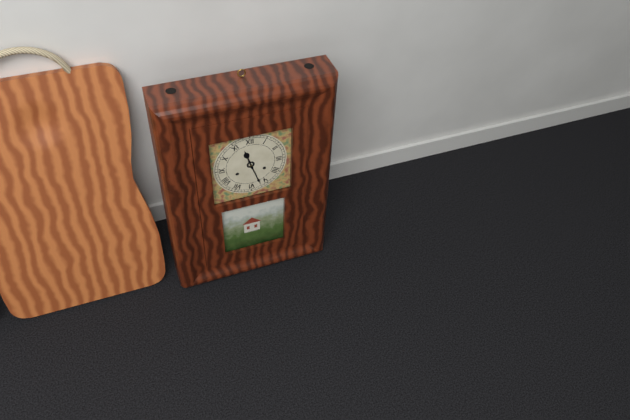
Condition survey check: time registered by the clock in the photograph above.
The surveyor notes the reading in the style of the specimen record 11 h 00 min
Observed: 11 h 27 min
